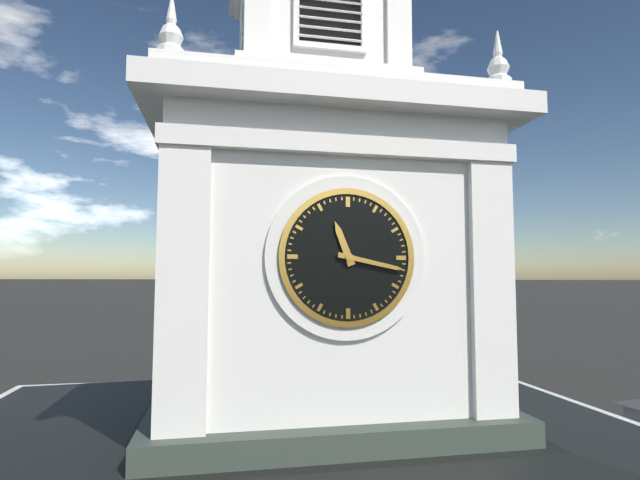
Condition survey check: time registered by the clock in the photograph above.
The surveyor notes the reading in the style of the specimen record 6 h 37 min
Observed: 11 h 17 min
